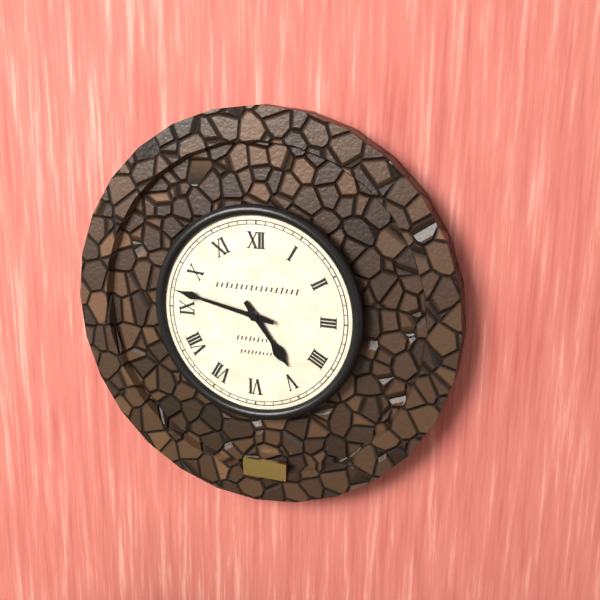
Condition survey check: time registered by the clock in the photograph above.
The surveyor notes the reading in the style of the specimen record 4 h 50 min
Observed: 4 h 47 min
